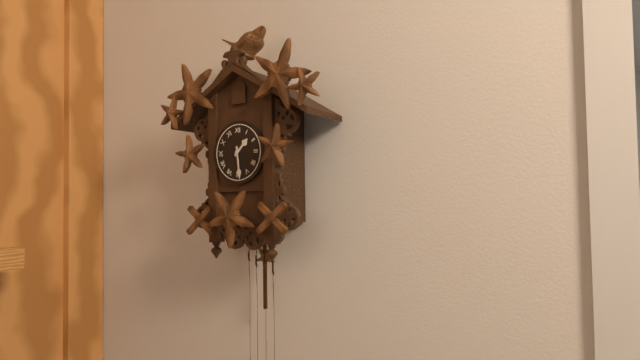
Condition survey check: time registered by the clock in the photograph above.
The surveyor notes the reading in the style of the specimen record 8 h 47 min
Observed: 1 h 29 min
